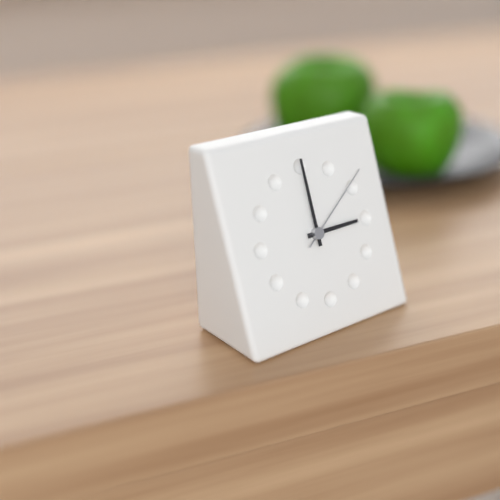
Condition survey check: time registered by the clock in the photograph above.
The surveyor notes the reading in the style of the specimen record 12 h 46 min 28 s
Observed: 3 h 00 min 09 s
